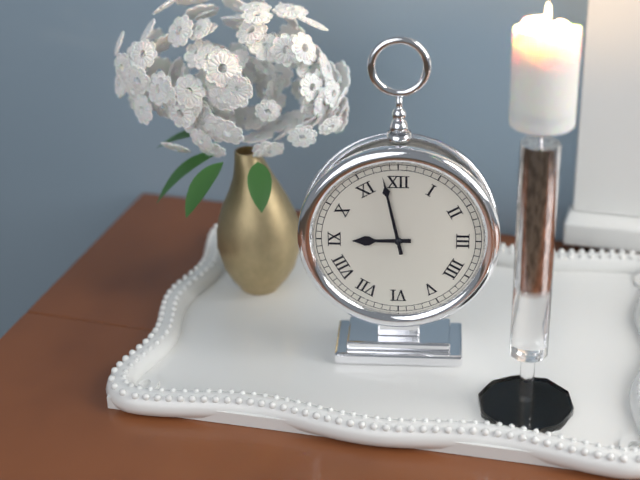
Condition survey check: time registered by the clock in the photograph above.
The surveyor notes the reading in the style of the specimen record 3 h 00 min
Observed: 8 h 58 min
